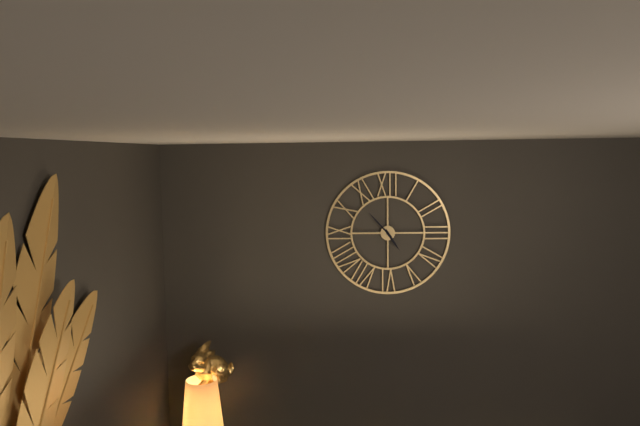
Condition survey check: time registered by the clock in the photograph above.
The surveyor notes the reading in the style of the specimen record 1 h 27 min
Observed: 4 h 53 min
